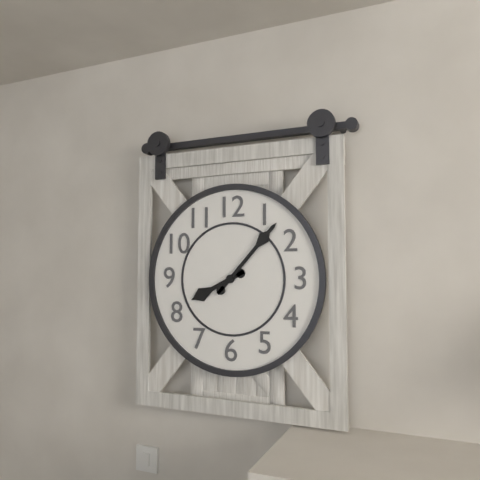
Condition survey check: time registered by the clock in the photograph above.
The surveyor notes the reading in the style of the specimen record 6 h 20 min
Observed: 8 h 07 min
